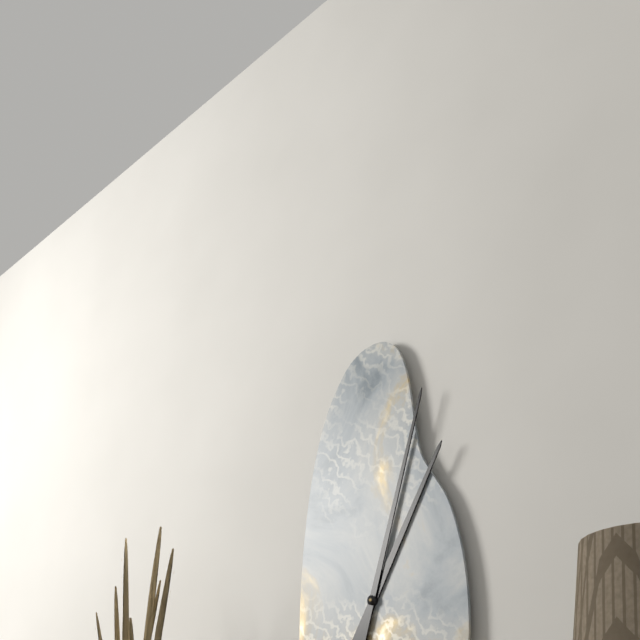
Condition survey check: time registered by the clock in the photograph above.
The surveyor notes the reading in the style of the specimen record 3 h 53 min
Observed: 1 h 03 min
